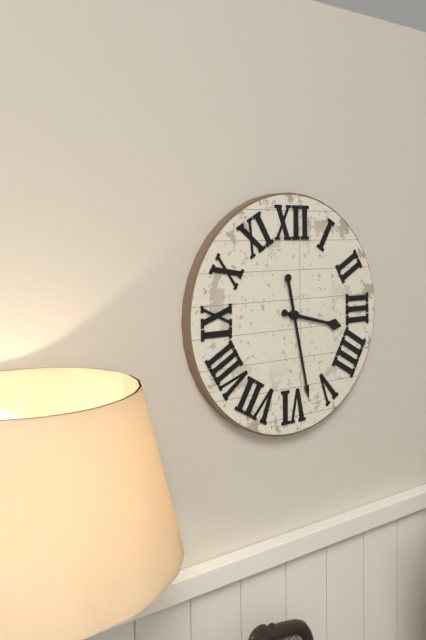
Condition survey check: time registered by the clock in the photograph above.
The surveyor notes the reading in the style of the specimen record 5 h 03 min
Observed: 3 h 28 min
